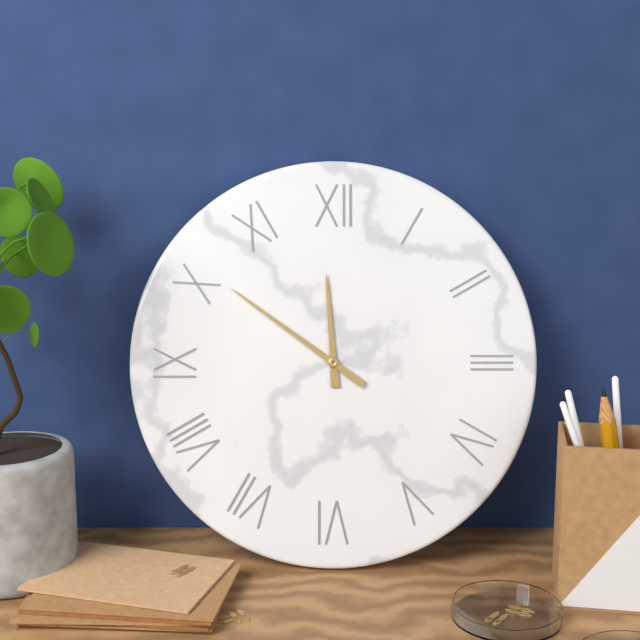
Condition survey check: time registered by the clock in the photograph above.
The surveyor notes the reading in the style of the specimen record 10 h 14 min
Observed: 11 h 51 min
